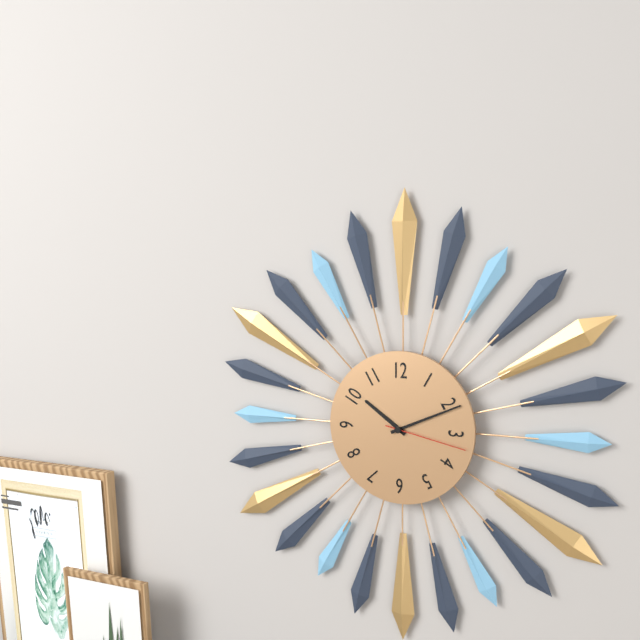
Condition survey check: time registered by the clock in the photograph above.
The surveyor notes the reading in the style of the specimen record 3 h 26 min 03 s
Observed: 10 h 11 min 17 s
